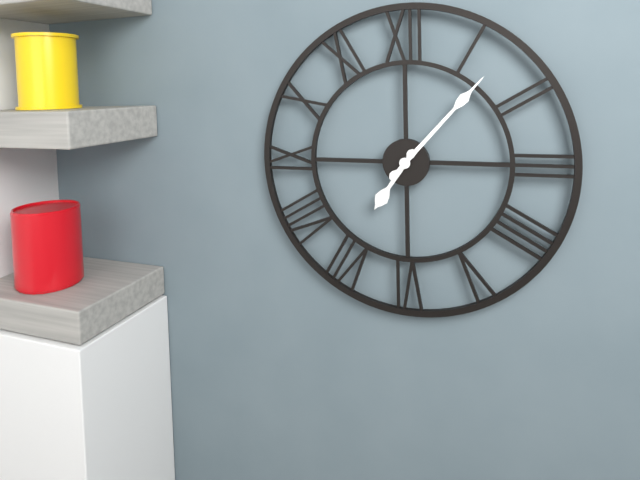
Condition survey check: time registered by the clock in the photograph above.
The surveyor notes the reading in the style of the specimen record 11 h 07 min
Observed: 7 h 07 min
